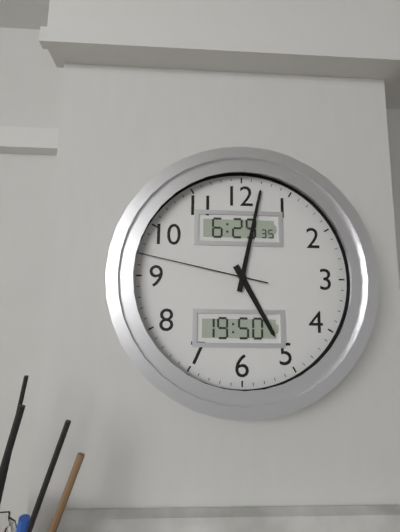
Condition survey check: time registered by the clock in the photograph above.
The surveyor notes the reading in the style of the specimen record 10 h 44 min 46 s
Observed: 5 h 02 min 47 s
